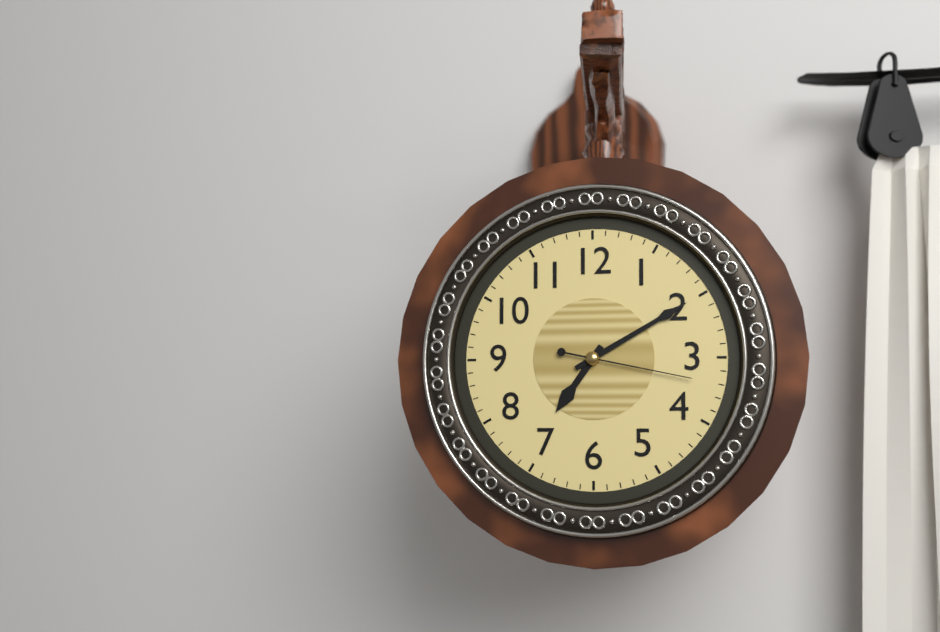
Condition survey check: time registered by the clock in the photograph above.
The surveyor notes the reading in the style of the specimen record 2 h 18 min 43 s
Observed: 7 h 10 min 17 s
